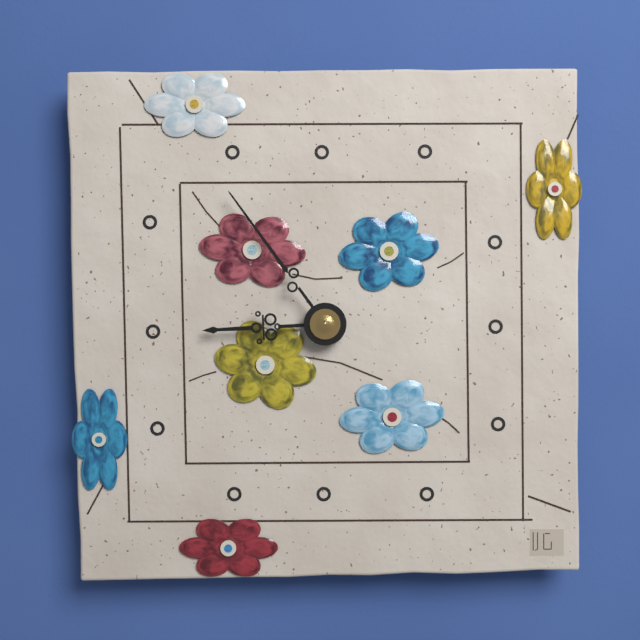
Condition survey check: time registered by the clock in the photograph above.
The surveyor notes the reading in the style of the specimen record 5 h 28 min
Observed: 8 h 54 min
